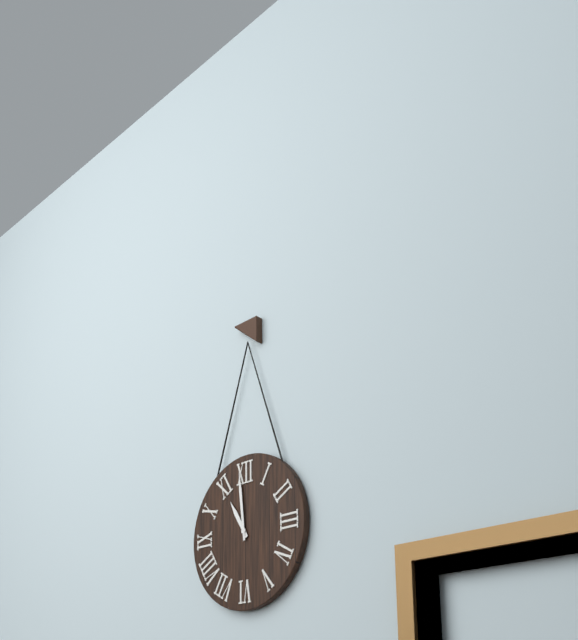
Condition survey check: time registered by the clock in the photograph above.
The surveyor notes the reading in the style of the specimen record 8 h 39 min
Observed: 10 h 59 min
